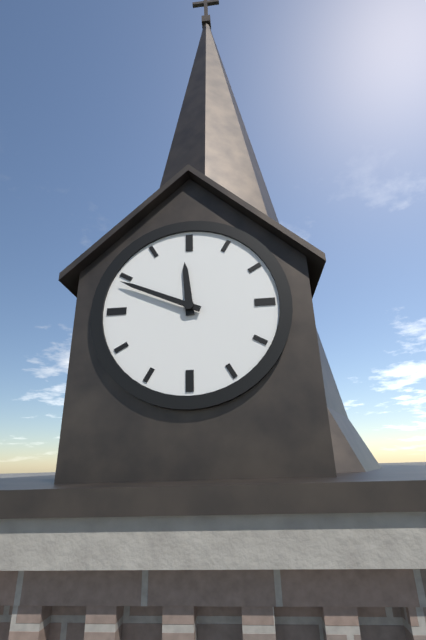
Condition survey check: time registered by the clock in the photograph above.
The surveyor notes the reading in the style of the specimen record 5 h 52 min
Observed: 11 h 49 min
